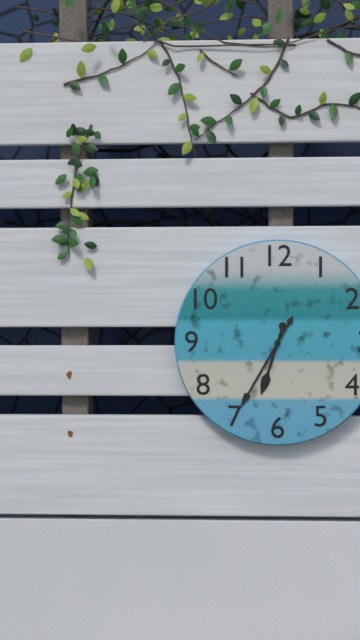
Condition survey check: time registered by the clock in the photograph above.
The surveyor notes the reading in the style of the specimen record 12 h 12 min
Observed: 6 h 35 min
